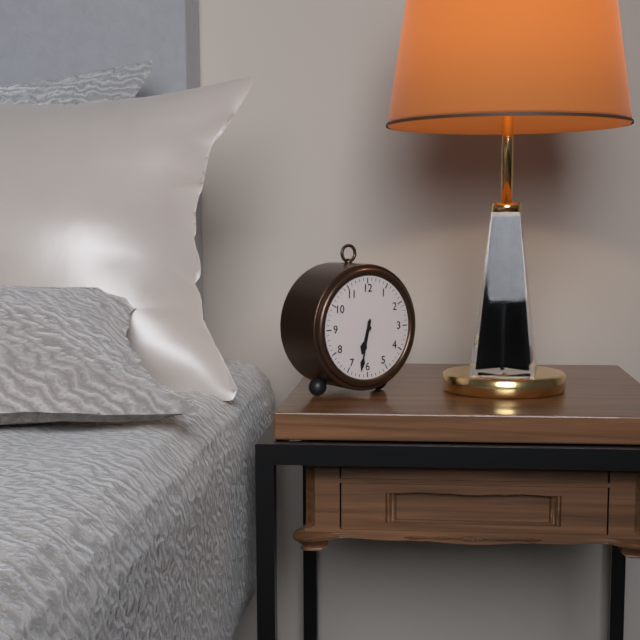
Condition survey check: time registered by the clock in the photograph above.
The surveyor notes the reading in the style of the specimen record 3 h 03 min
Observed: 6 h 32 min
